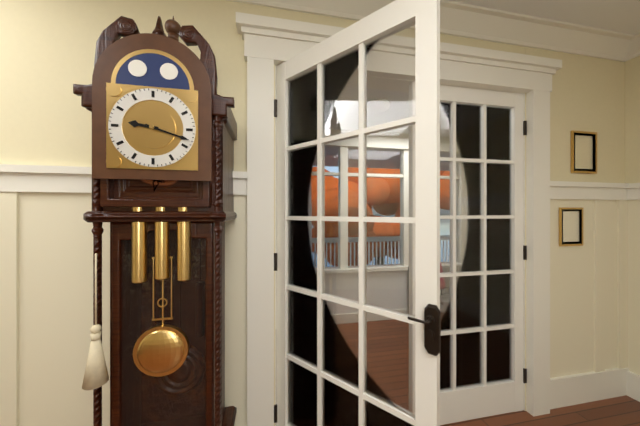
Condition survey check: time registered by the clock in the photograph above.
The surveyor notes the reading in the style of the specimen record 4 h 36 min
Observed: 9 h 18 min
